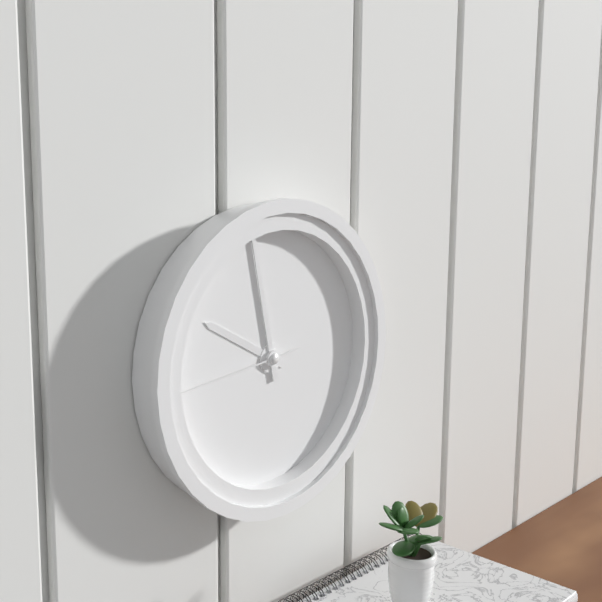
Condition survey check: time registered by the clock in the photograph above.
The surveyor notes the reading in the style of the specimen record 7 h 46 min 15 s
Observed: 9 h 58 min 44 s
